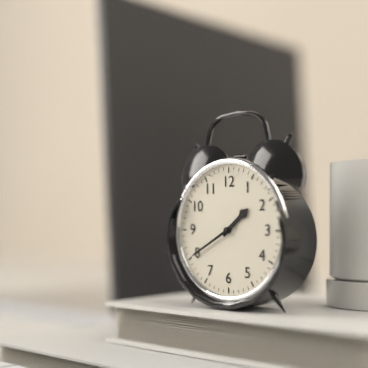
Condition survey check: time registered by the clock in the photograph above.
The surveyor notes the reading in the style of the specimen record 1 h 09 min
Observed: 1 h 40 min
